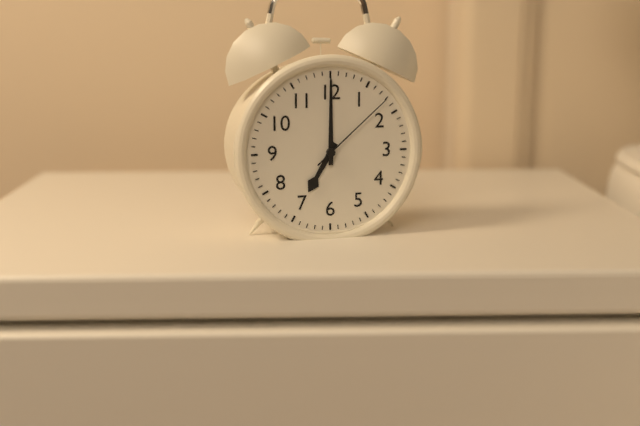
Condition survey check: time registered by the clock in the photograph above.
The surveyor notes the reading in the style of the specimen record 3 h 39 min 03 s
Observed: 7 h 00 min 08 s
